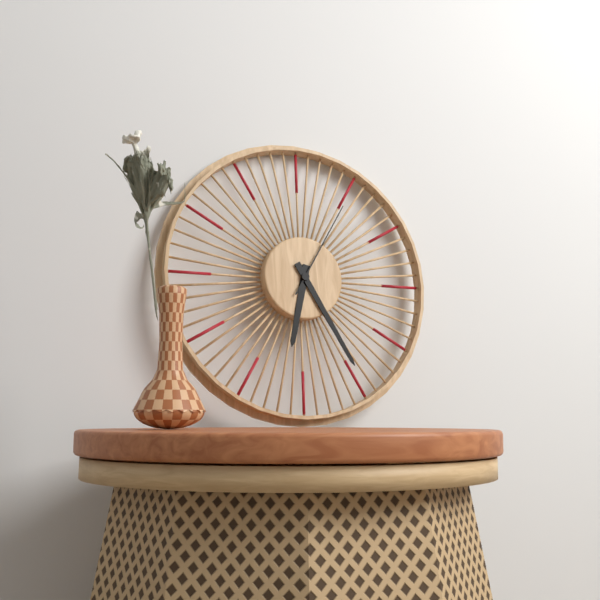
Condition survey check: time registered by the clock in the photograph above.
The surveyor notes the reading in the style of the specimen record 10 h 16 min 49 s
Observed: 6 h 25 min 05 s
